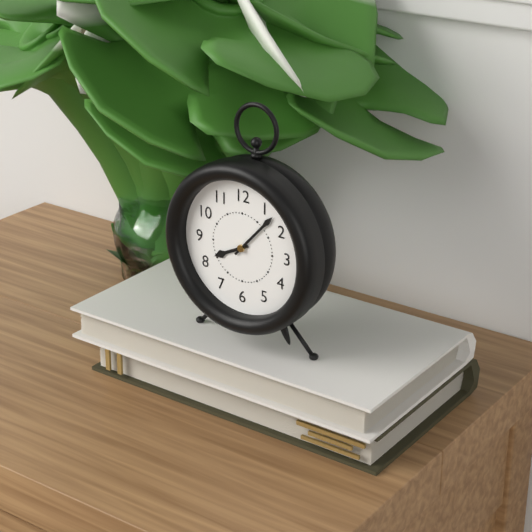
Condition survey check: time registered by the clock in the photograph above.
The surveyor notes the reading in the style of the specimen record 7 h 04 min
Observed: 8 h 07 min
